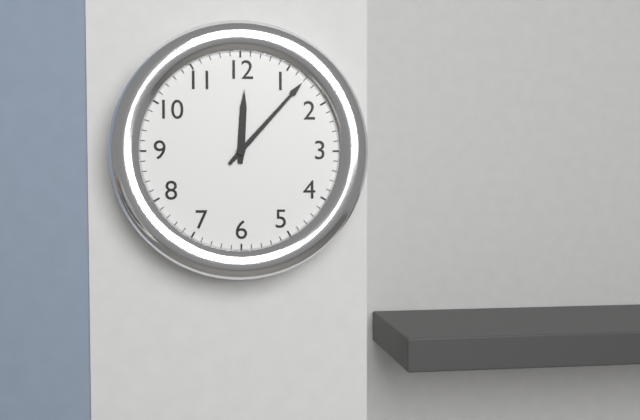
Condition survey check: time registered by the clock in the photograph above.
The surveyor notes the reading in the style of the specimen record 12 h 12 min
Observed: 12 h 07 min
